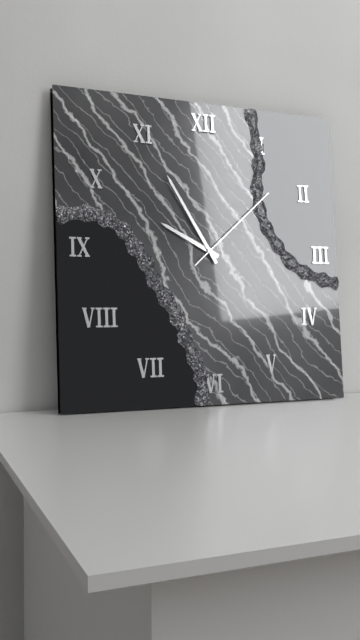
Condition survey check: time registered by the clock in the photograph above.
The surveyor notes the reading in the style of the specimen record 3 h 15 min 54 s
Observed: 9 h 55 min 08 s
